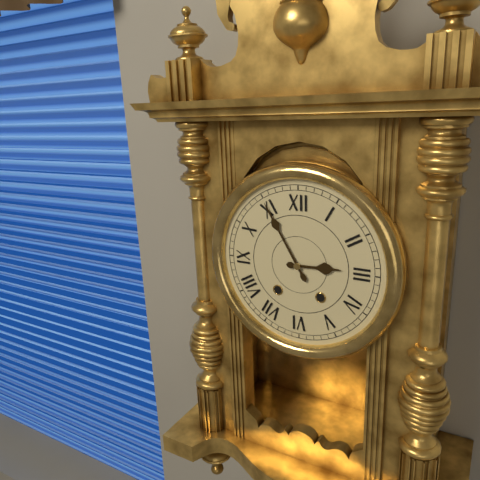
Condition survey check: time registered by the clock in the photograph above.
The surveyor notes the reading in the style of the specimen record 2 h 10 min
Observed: 2 h 55 min
